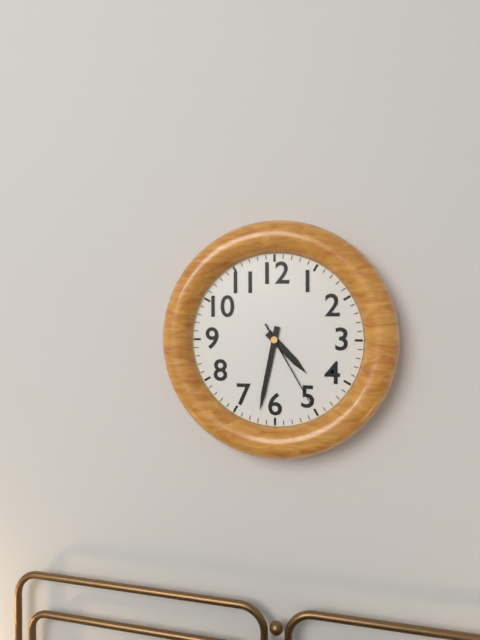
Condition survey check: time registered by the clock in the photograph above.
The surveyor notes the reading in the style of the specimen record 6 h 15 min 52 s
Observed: 4 h 32 min 25 s
